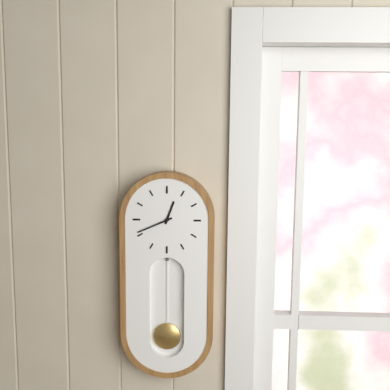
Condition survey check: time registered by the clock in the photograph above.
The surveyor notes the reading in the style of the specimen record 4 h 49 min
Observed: 12 h 41 min
